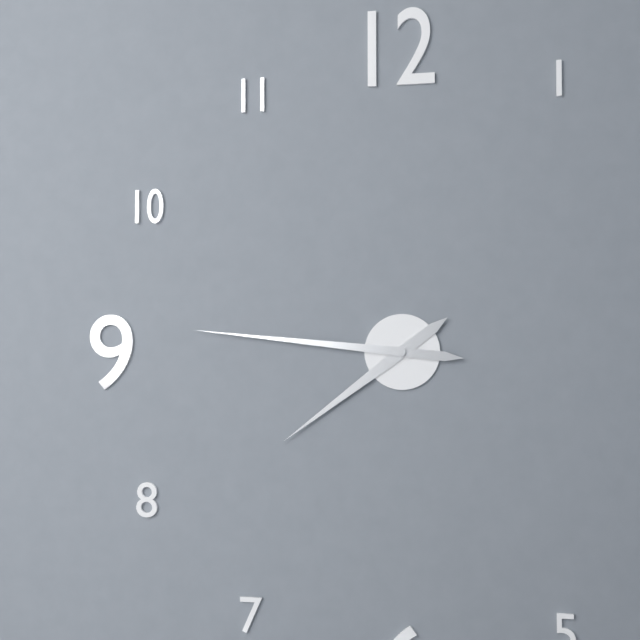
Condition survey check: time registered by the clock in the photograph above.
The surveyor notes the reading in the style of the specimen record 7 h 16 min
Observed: 7 h 46 min
